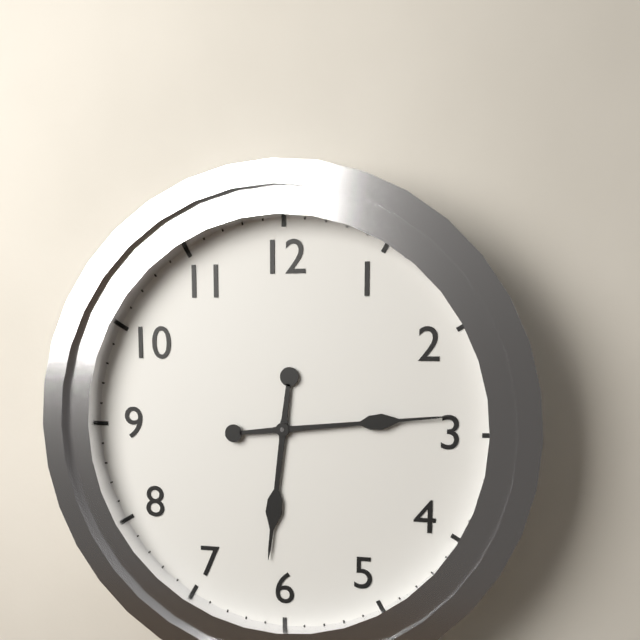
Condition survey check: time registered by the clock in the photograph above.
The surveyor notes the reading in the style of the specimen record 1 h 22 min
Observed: 6 h 14 min
